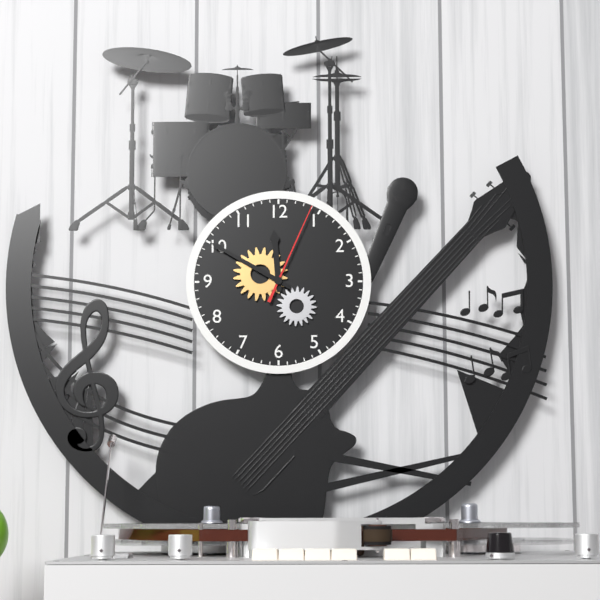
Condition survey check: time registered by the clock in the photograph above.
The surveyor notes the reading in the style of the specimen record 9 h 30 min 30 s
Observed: 11 h 50 min 04 s
